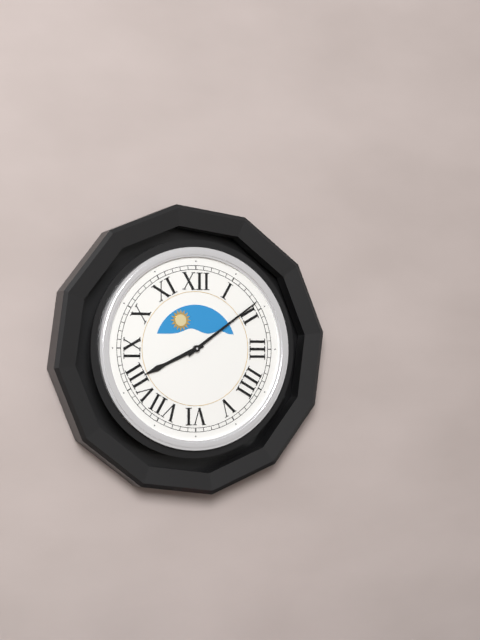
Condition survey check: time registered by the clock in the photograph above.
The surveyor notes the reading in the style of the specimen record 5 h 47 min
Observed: 8 h 09 min
